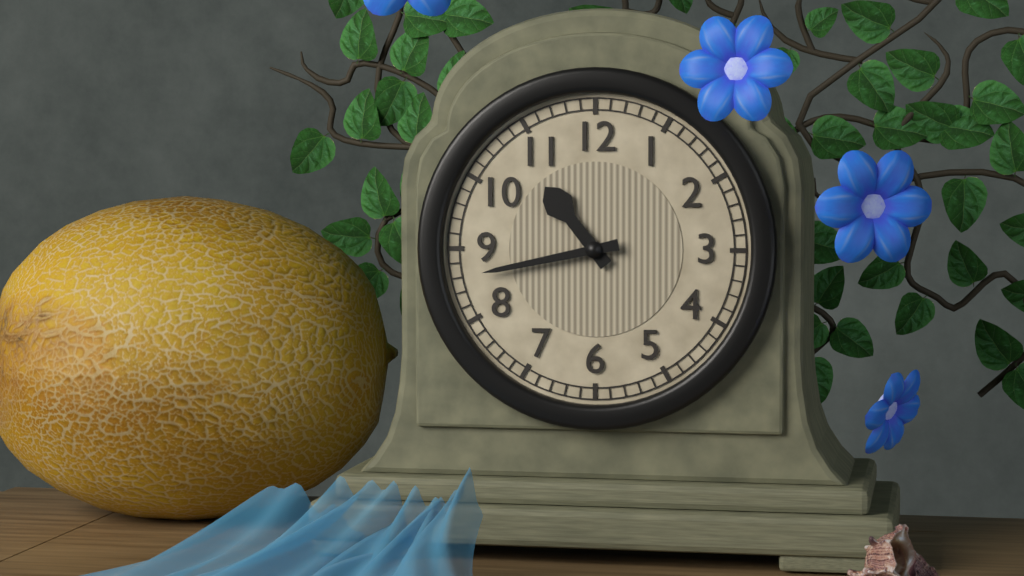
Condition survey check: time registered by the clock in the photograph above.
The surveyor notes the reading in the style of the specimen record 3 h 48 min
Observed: 10 h 43 min
